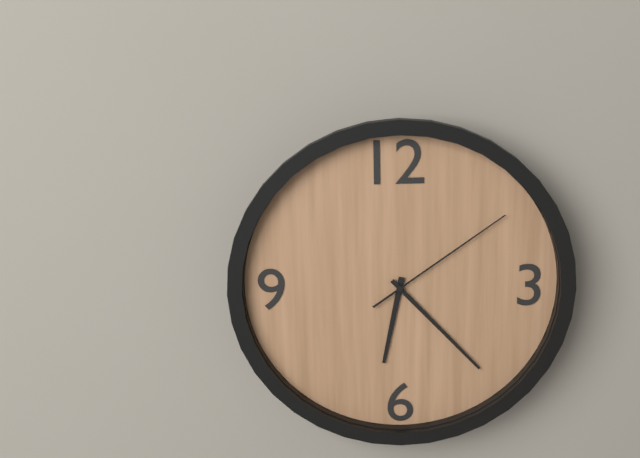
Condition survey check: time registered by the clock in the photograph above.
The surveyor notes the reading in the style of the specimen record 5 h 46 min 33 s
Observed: 6 h 23 min 09 s
